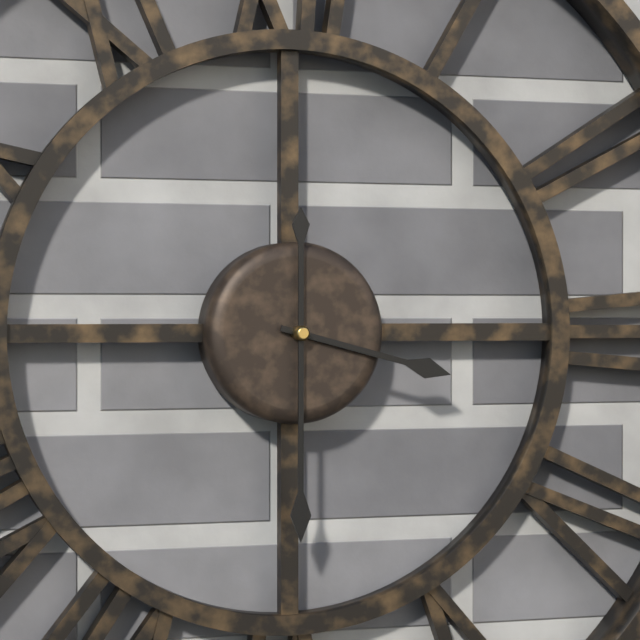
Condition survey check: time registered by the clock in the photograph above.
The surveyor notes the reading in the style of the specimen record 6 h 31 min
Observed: 3 h 30 min
